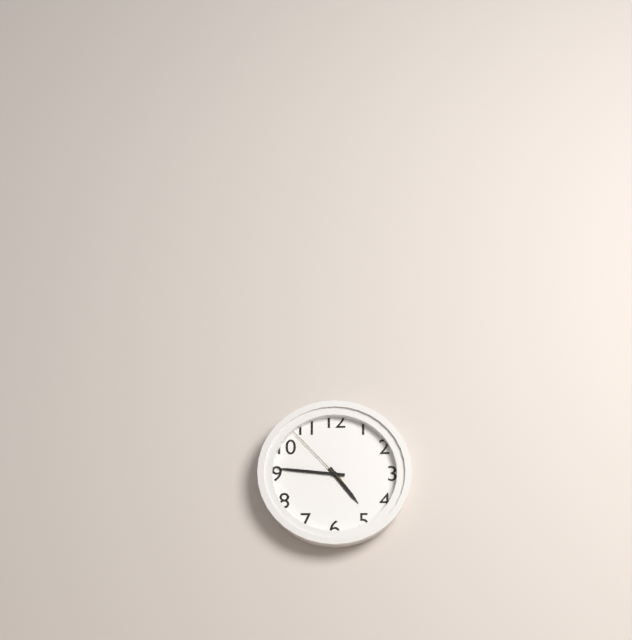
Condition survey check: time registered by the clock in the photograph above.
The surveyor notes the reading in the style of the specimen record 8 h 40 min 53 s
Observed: 4 h 46 min 53 s
